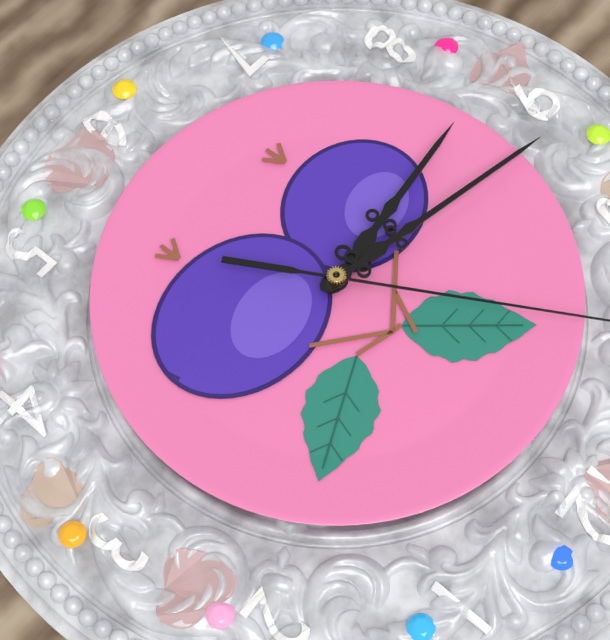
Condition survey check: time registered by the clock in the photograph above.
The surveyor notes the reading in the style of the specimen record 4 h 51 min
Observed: 8 h 47 min
